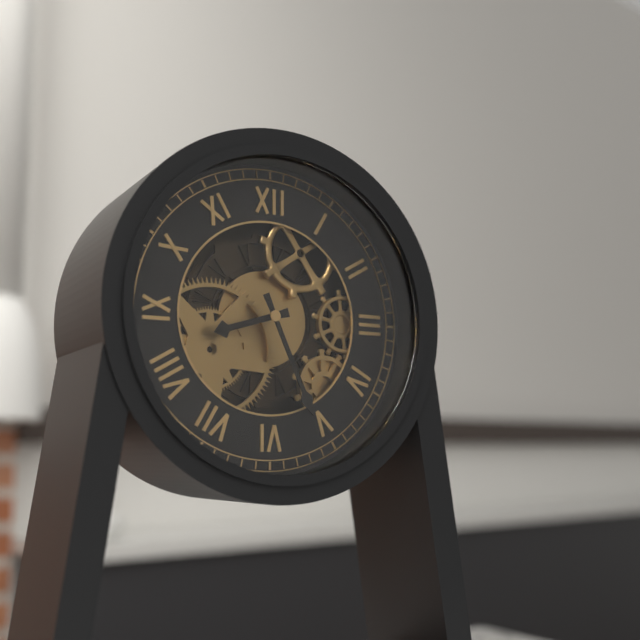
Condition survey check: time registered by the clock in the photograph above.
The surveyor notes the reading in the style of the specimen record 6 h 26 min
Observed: 8 h 26 min
